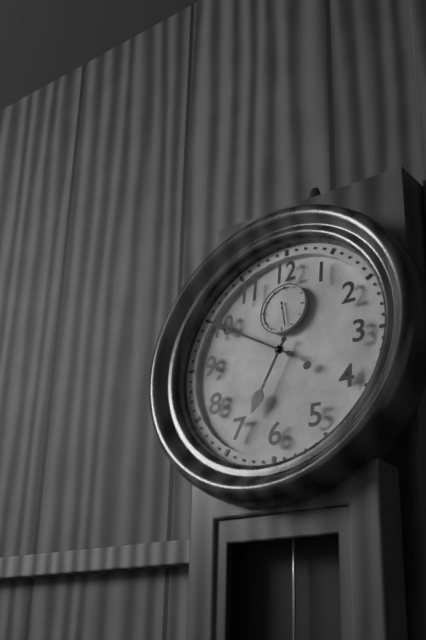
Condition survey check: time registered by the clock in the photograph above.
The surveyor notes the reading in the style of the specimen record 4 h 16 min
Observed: 6 h 50 min
